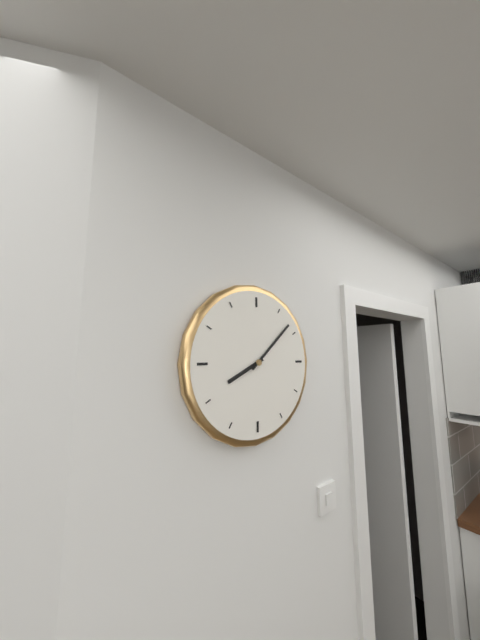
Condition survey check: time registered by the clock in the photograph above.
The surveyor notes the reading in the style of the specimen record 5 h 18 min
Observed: 8 h 08 min
